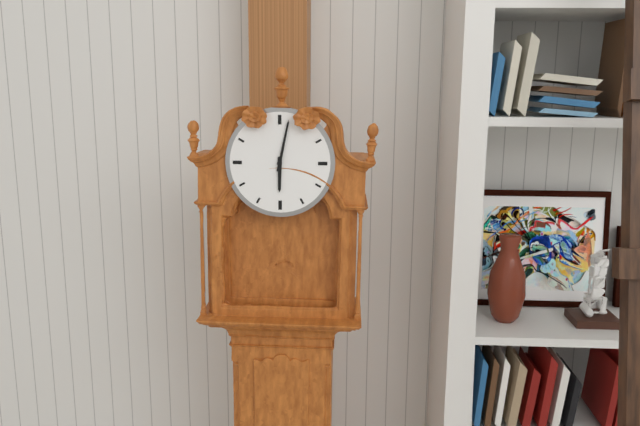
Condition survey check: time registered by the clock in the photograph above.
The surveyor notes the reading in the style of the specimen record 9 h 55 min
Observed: 6 h 02 min
